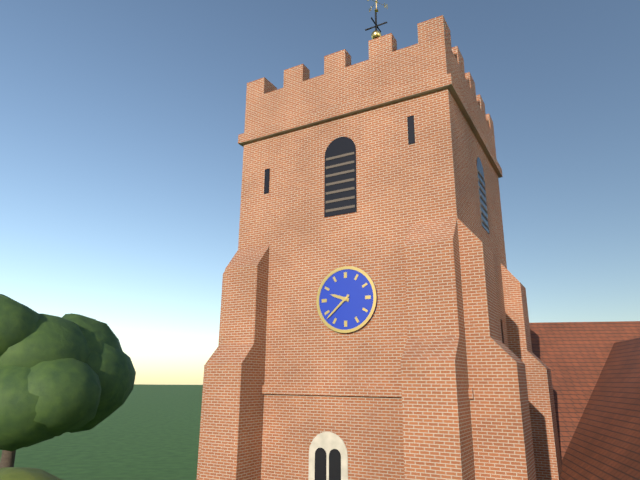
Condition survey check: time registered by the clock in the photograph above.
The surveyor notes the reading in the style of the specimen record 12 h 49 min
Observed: 9 h 38 min
